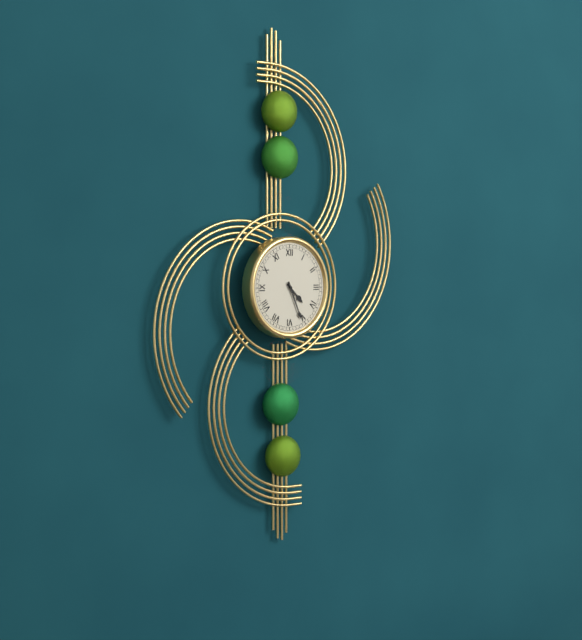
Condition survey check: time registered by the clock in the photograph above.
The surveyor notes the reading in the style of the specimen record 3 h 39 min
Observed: 4 h 26 min
